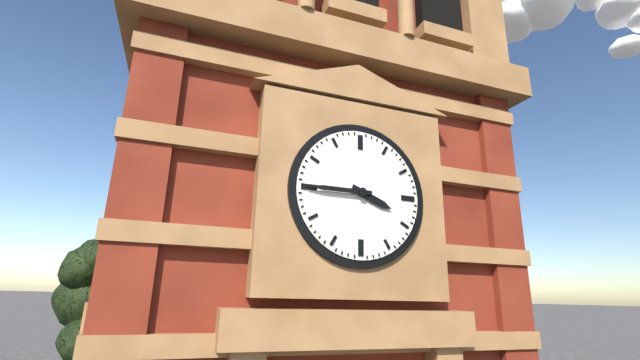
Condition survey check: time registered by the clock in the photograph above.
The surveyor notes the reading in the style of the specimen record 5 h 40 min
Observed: 3 h 45 min
